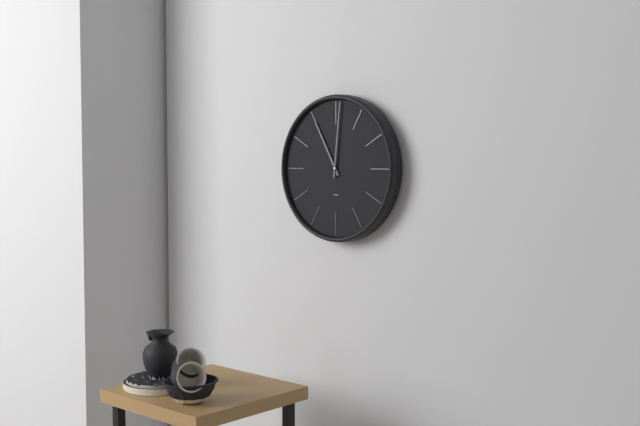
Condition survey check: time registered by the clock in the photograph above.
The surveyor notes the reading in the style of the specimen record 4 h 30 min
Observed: 11 h 01 min
